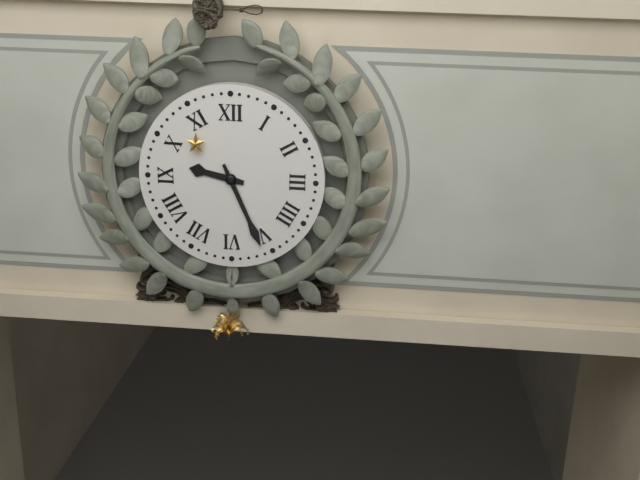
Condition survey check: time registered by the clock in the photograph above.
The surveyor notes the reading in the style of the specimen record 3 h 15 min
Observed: 9 h 26 min
